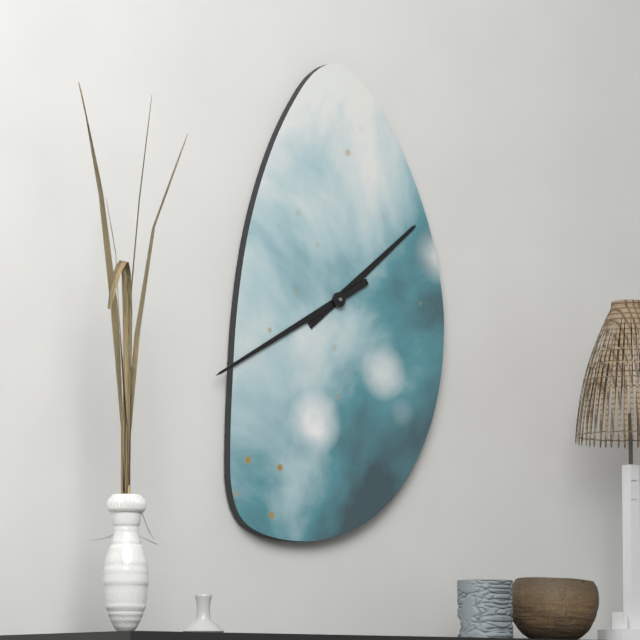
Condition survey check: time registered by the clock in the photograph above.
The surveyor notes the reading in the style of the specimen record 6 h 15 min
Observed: 1 h 40 min
